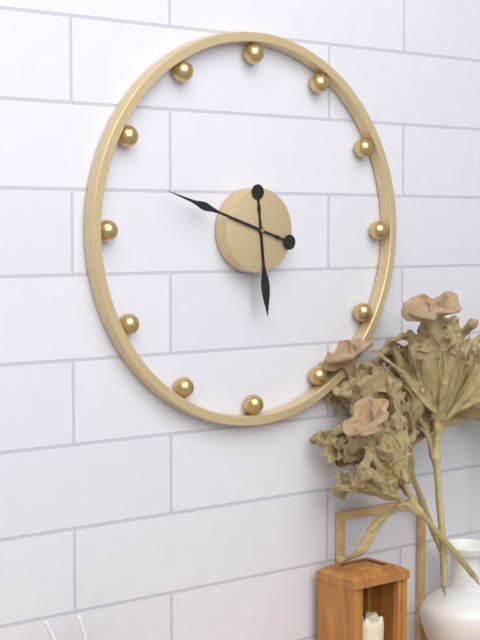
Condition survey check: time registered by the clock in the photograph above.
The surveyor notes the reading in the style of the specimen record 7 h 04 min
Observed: 5 h 48 min
